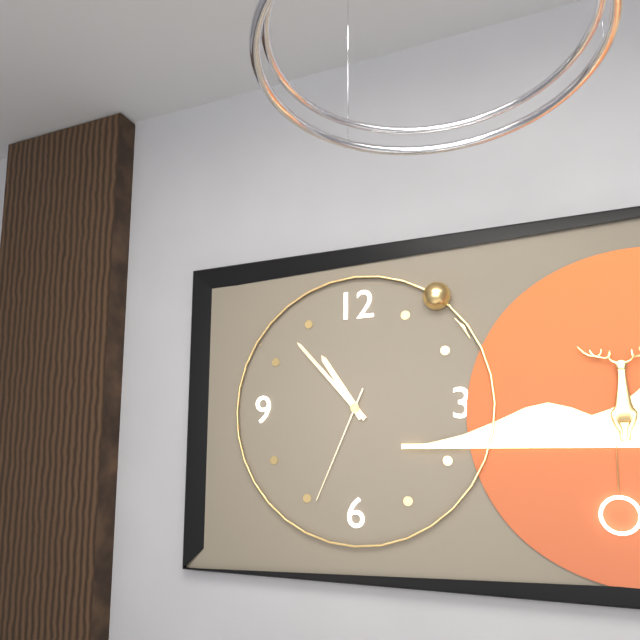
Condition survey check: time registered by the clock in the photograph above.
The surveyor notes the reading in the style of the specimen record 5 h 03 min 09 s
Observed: 10 h 53 min 34 s
